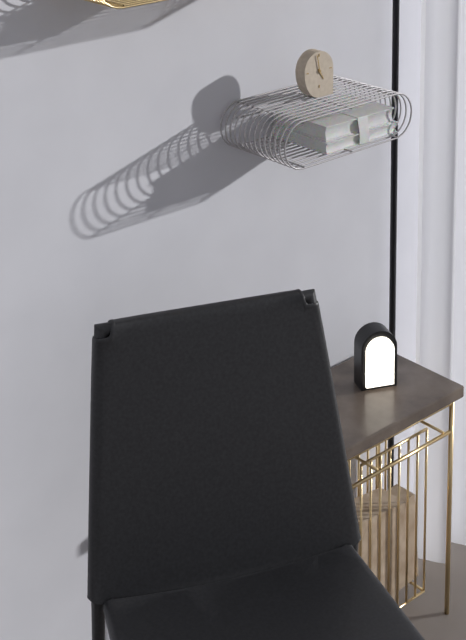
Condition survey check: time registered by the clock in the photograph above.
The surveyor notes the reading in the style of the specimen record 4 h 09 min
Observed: 4 h 58 min
